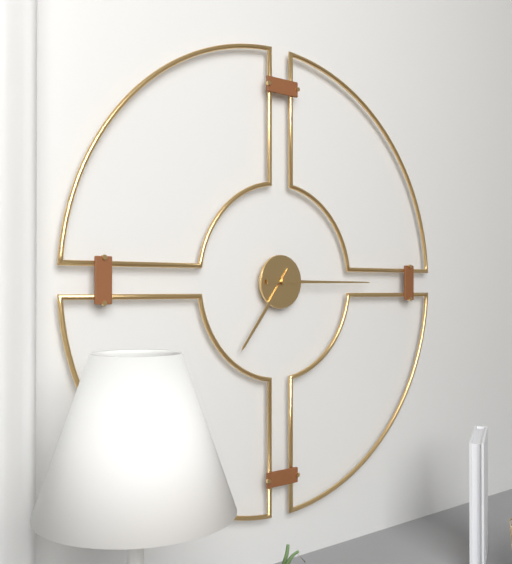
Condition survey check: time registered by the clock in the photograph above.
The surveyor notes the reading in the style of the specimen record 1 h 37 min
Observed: 7 h 15 min
